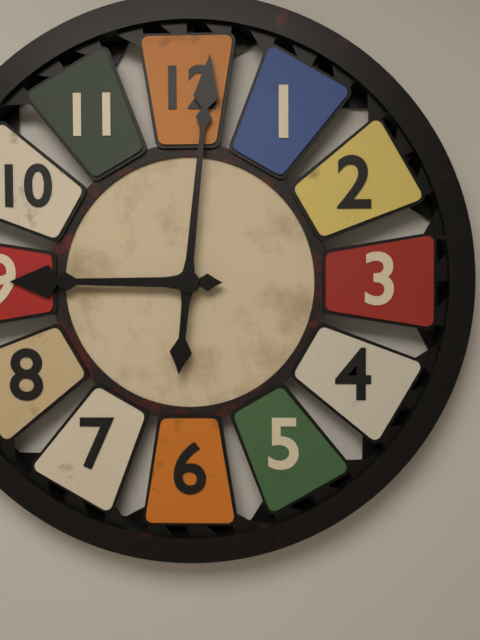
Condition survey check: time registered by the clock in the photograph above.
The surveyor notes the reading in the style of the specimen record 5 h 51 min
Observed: 9 h 01 min
